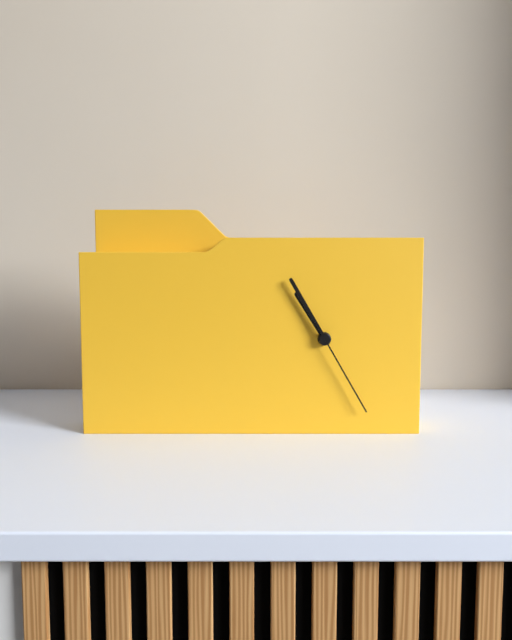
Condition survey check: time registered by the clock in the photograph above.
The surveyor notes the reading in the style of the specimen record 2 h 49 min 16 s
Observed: 10 h 55 min 25 s
